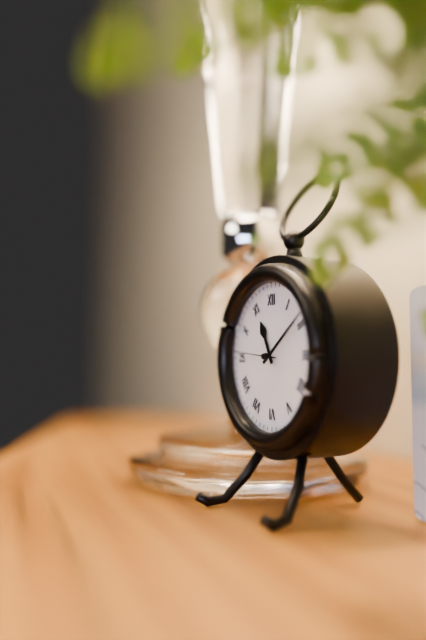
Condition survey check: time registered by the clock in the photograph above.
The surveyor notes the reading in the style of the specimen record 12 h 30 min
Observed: 11 h 09 min
